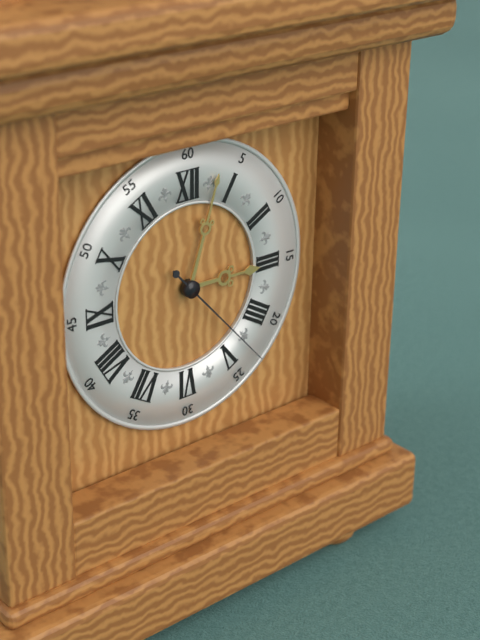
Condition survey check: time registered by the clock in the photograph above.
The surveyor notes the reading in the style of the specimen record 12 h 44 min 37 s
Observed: 3 h 03 min 23 s
